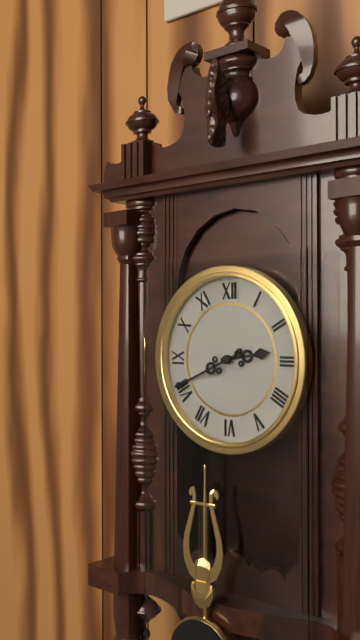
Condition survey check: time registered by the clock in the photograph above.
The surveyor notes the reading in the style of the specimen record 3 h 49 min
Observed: 2 h 41 min
